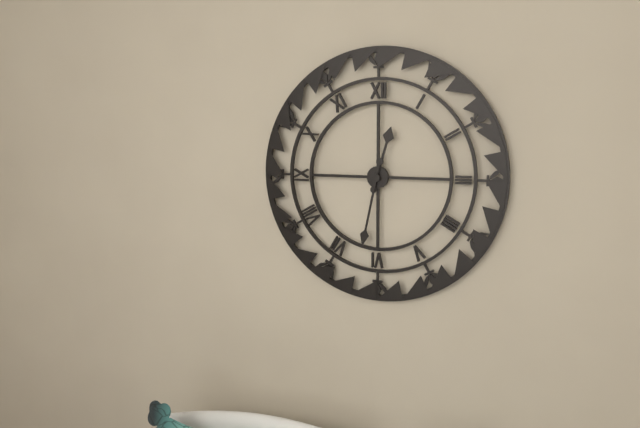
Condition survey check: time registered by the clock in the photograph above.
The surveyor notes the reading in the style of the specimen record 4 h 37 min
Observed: 12 h 32 min
